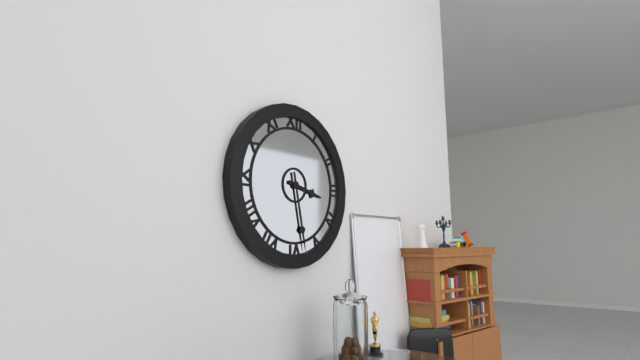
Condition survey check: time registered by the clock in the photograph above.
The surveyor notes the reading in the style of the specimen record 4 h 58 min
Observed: 3 h 28 min
